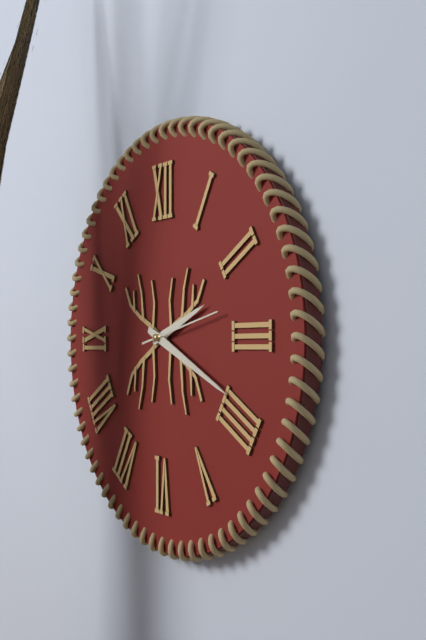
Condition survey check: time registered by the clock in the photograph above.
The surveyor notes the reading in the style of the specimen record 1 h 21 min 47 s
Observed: 2 h 19 min 13 s
